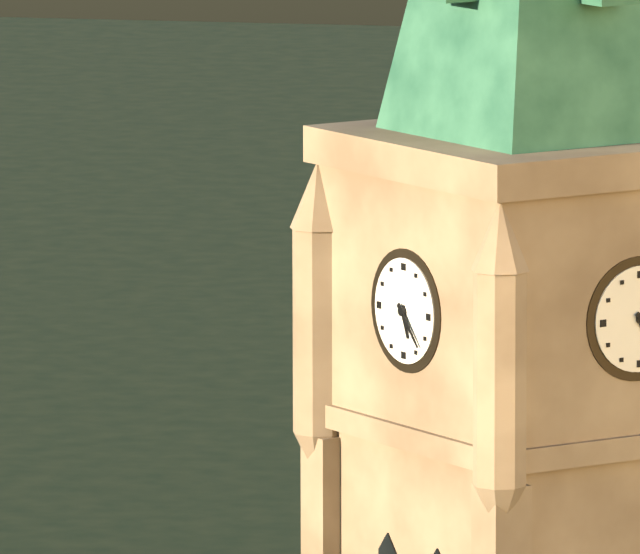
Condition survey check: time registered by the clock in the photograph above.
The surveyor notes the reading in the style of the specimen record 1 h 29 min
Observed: 5 h 23 min
